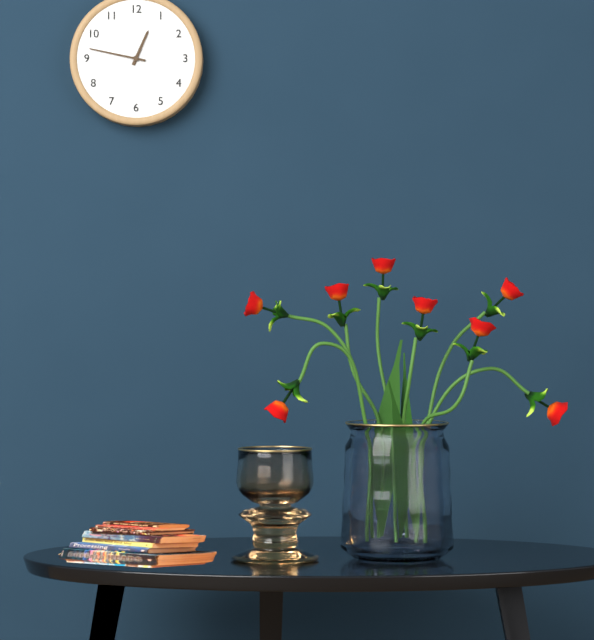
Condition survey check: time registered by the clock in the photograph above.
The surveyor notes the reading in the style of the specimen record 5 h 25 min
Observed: 12 h 47 min
